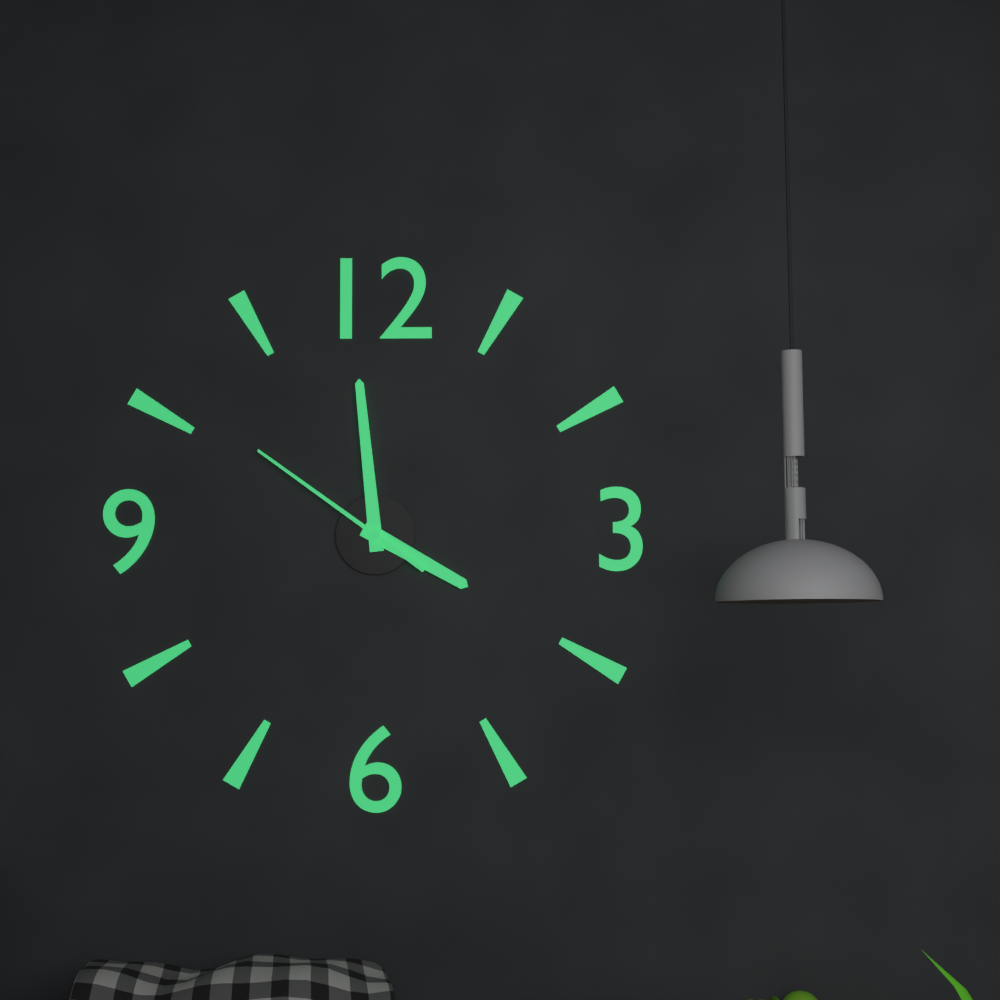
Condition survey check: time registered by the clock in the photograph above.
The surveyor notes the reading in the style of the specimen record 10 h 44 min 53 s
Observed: 3 h 59 min 51 s
